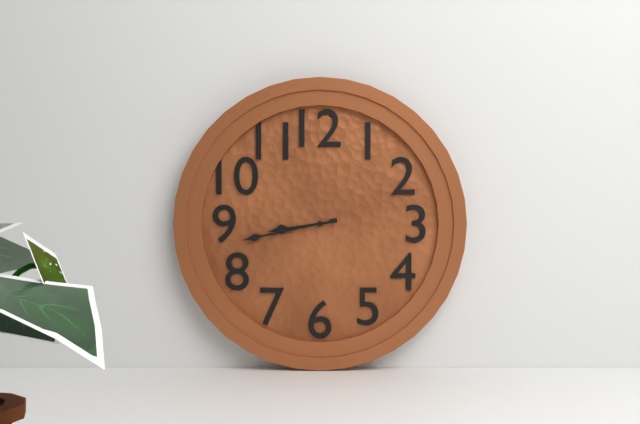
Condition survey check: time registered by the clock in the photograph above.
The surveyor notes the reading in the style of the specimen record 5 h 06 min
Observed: 8 h 43 min
